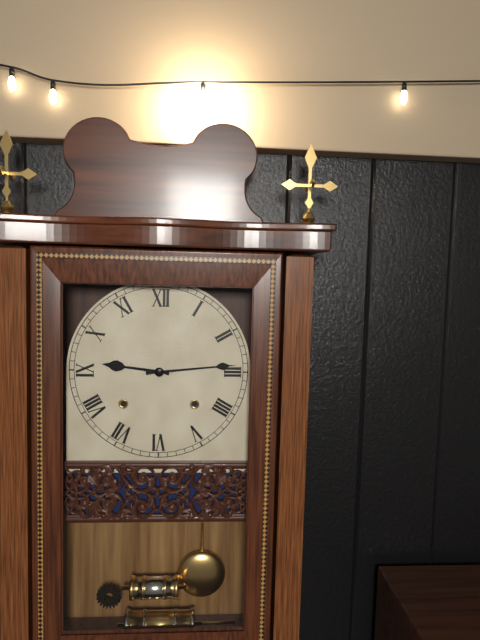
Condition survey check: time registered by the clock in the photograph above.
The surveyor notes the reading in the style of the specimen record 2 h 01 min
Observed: 9 h 14 min
